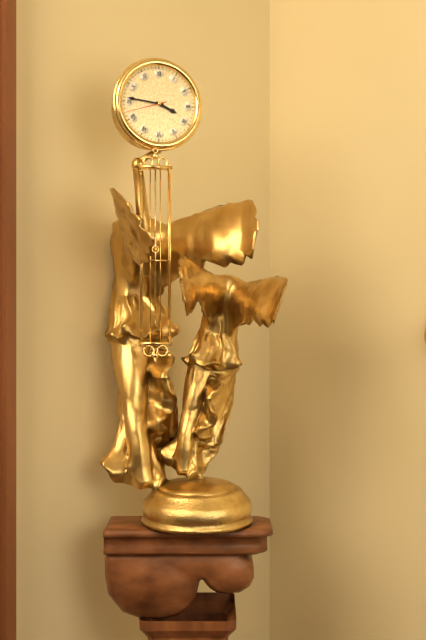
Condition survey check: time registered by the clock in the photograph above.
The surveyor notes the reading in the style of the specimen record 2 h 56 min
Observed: 3 h 46 min
